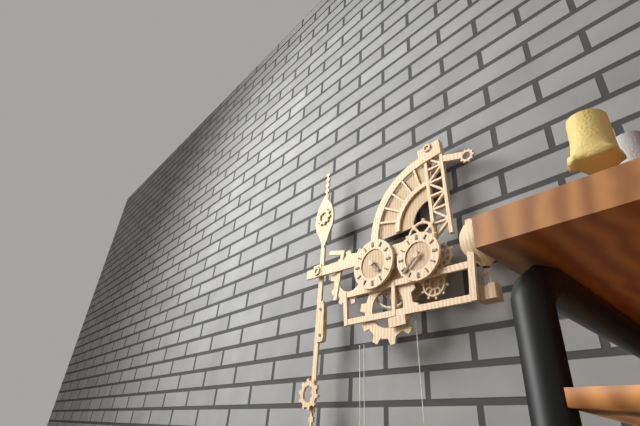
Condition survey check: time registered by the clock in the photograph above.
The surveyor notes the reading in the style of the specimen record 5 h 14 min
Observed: 4 h 38 min
